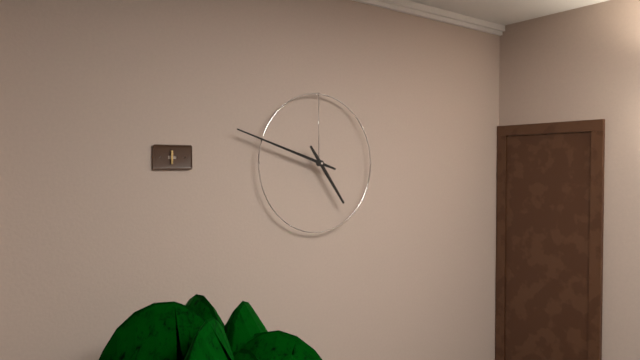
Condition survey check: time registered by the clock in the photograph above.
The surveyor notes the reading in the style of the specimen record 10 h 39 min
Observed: 4 h 48 min
